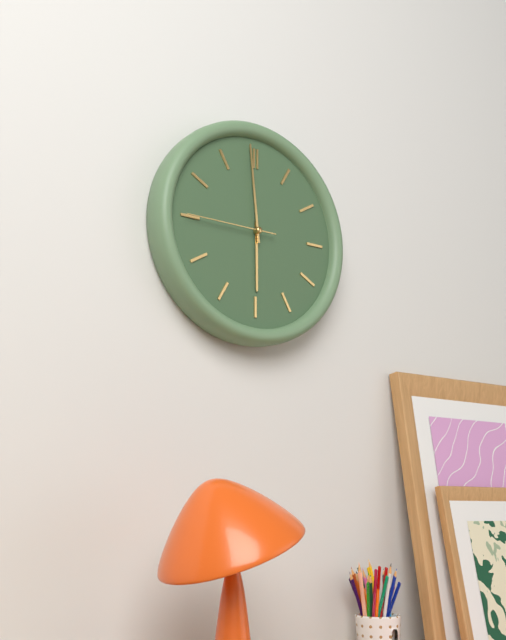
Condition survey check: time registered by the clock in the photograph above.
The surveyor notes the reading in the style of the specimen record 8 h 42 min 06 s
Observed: 5 h 59 min 45 s
